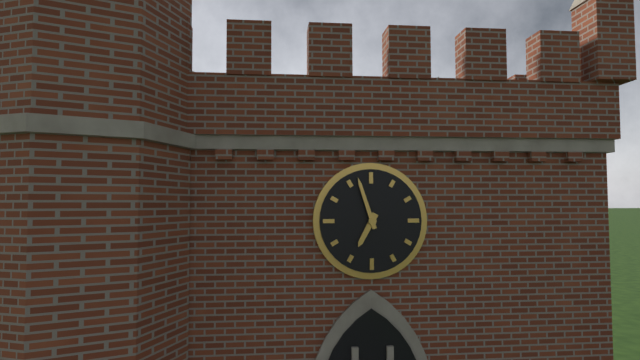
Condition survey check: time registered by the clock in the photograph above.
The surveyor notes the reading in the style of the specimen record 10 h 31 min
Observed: 6 h 57 min
